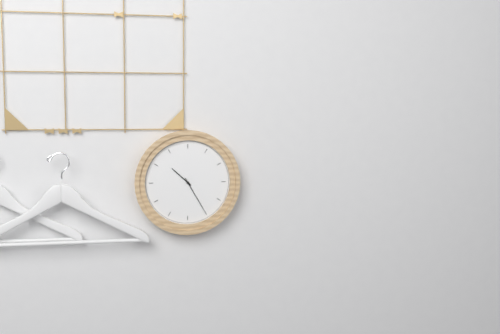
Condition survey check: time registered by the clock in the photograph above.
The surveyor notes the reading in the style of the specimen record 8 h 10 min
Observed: 10 h 25 min
